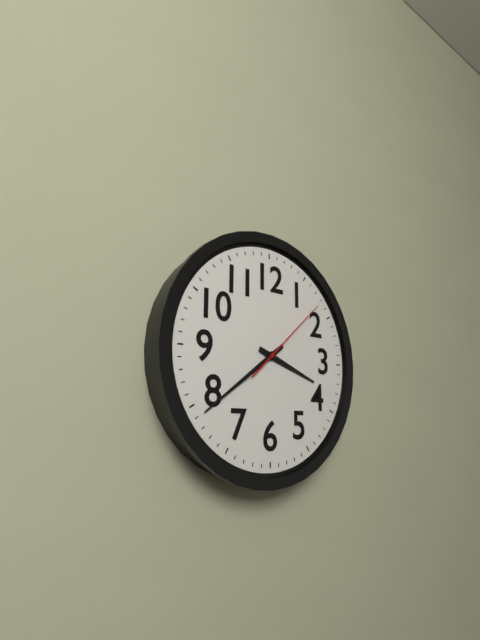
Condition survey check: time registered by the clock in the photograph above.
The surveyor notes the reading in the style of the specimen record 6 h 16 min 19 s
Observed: 3 h 39 min 08 s
